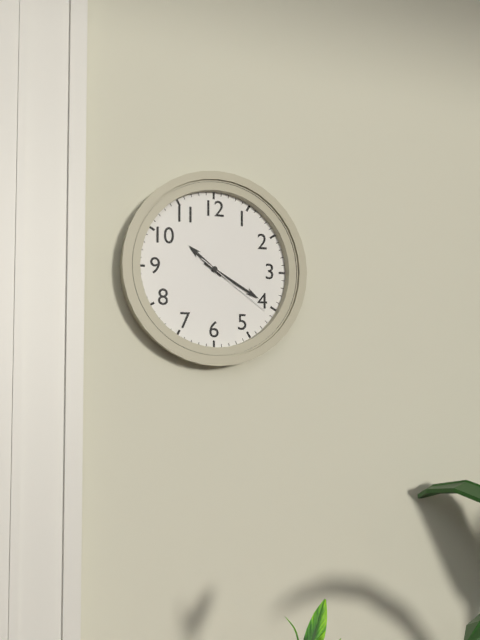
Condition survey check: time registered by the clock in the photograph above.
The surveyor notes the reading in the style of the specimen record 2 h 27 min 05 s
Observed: 10 h 20 min 21 s
